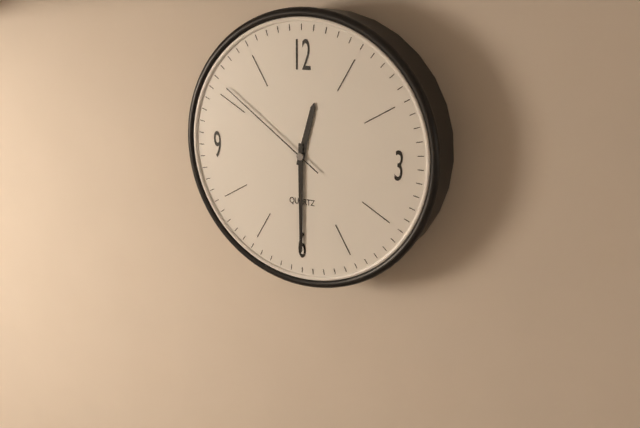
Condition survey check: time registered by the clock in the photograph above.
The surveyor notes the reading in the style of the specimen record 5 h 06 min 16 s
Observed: 12 h 30 min 51 s
